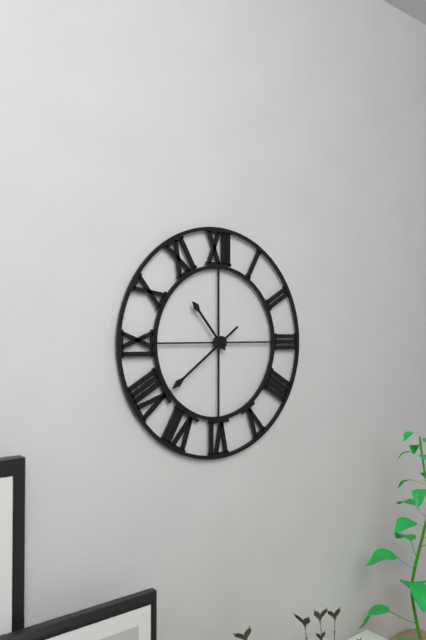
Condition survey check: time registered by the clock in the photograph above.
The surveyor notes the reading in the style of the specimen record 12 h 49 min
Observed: 10 h 39 min
